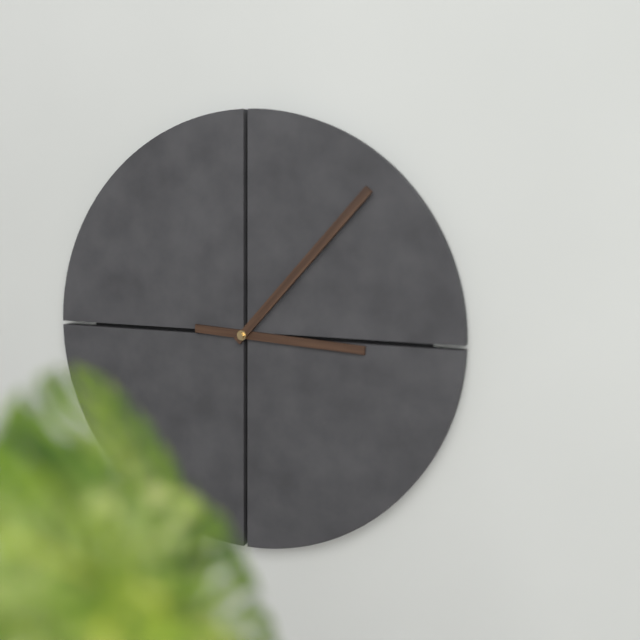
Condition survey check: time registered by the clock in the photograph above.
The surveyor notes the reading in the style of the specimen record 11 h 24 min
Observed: 3 h 07 min
